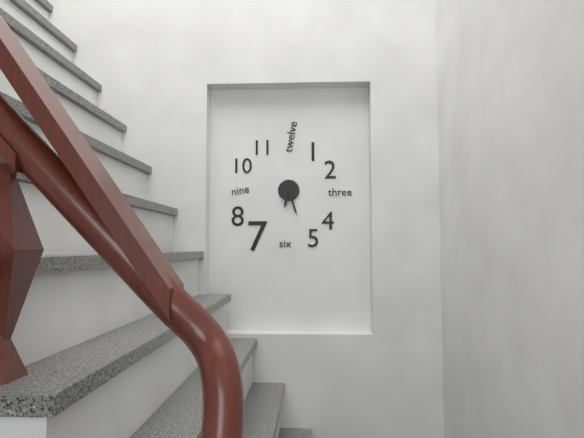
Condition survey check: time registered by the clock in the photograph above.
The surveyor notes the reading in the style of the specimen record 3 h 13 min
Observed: 6 h 27 min
